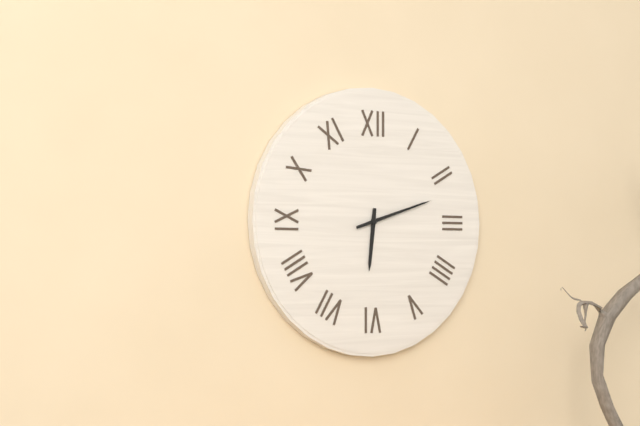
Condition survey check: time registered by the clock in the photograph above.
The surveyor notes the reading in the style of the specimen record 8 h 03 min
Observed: 6 h 12 min
